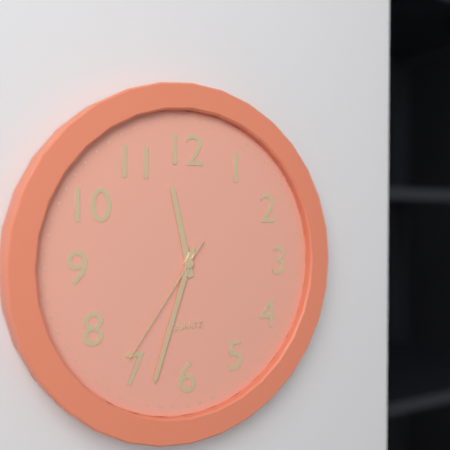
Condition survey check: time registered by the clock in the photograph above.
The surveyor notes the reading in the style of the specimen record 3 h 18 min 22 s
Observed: 11 h 33 min 36 s
